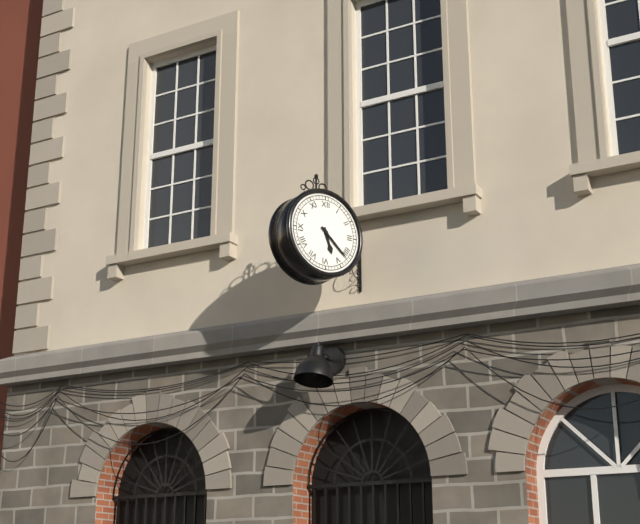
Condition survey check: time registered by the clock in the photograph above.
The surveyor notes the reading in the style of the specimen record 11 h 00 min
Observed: 5 h 22 min
